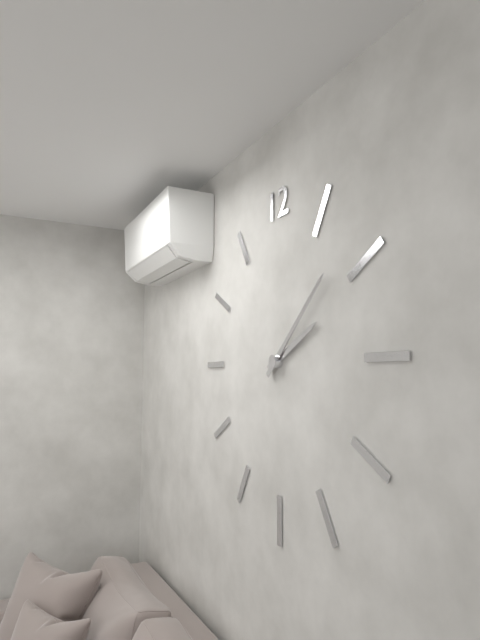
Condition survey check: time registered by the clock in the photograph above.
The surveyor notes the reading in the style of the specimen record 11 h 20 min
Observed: 2 h 08 min
